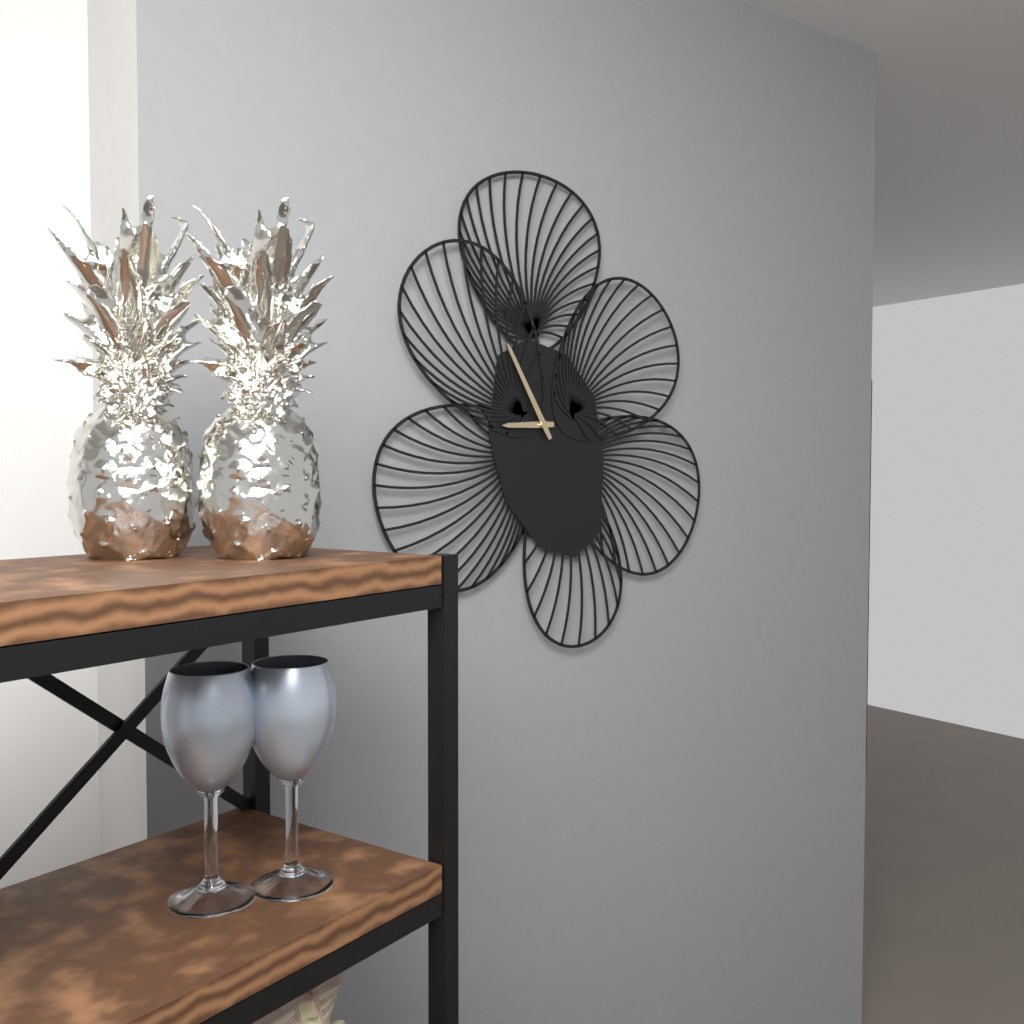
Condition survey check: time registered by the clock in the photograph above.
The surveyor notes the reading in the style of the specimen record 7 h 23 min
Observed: 8 h 55 min
